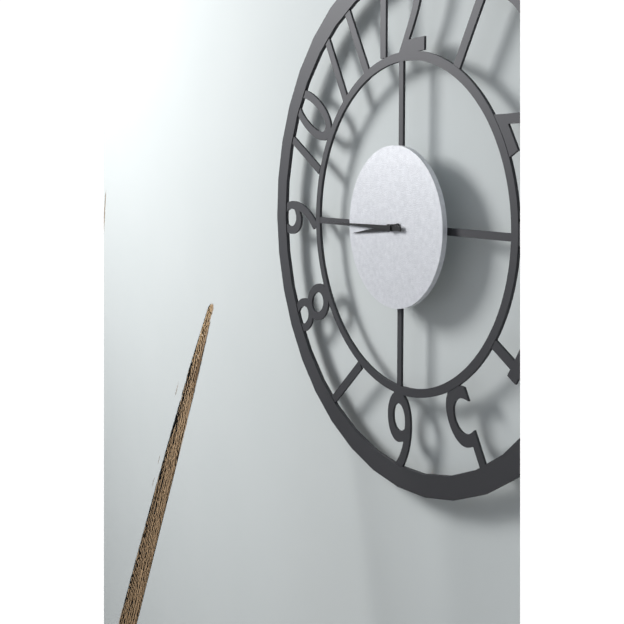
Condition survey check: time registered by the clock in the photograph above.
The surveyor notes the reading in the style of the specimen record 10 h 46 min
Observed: 8 h 45 min
